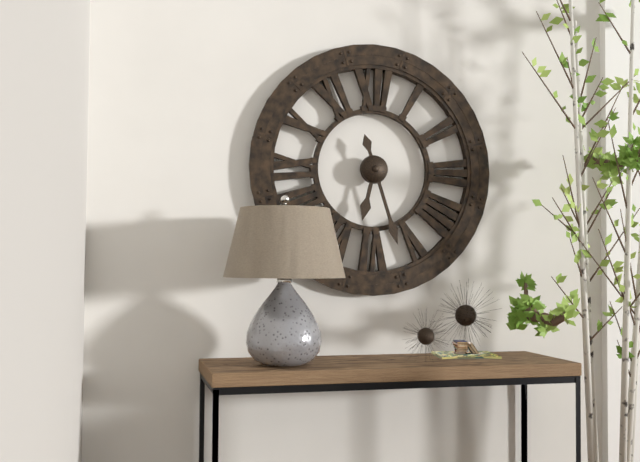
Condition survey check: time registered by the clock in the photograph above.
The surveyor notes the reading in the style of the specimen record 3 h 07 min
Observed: 6 h 27 min
